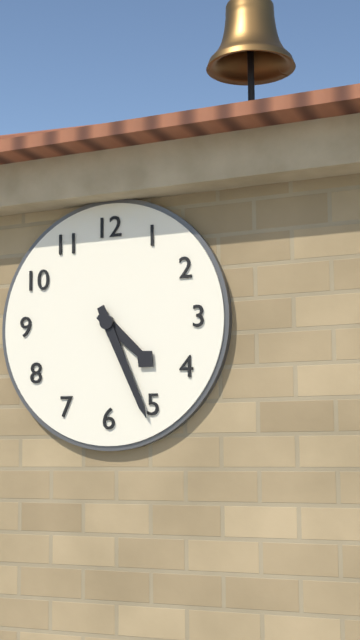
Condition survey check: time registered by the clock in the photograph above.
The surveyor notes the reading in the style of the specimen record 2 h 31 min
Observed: 4 h 26 min
